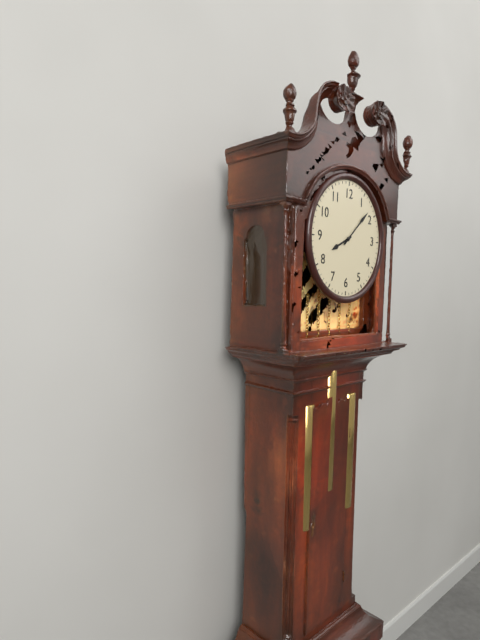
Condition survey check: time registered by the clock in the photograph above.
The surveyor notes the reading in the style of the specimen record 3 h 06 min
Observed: 8 h 08 min
